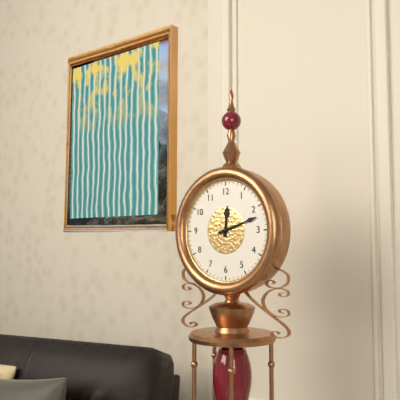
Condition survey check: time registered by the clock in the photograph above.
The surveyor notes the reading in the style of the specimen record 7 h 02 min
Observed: 12 h 12 min
